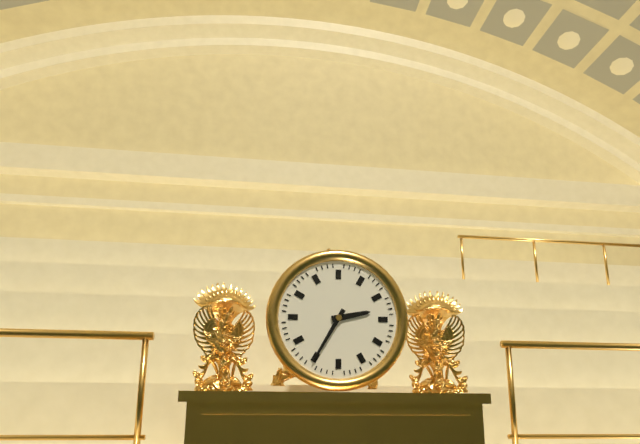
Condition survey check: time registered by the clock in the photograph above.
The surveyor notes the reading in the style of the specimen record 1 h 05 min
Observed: 2 h 35 min
